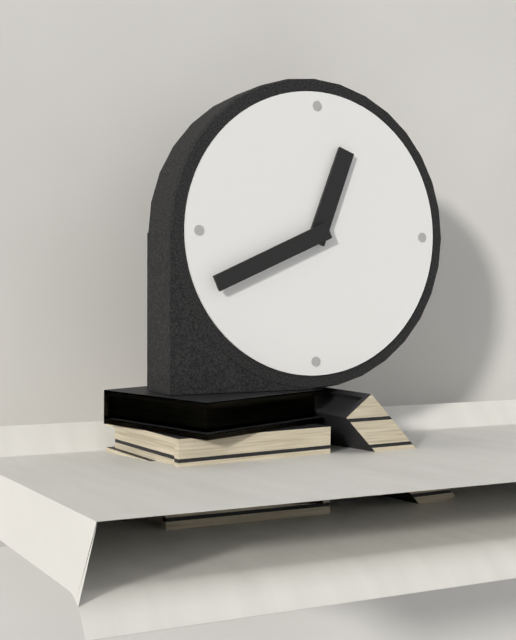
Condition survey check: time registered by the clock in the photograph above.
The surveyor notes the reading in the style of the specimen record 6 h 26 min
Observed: 12 h 41 min
